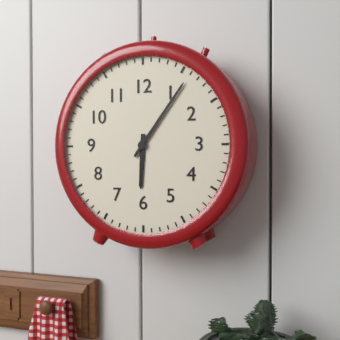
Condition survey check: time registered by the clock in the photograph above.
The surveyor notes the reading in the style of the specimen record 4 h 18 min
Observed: 6 h 06 min
